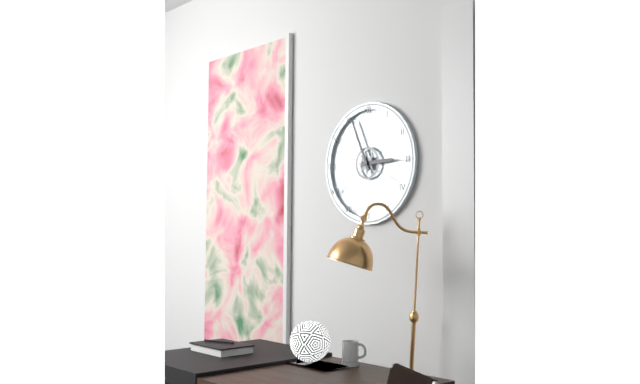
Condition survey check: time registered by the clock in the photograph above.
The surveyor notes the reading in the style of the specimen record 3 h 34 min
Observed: 2 h 56 min
